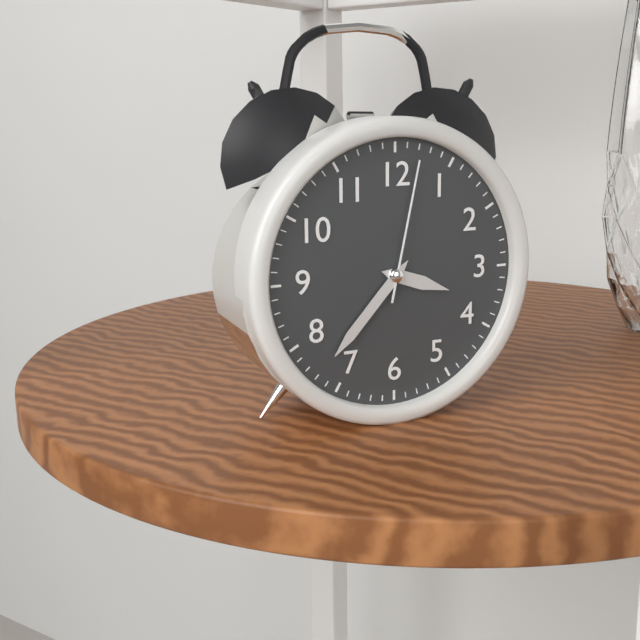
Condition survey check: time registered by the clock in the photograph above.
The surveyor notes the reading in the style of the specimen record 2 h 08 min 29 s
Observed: 3 h 37 min 02 s
